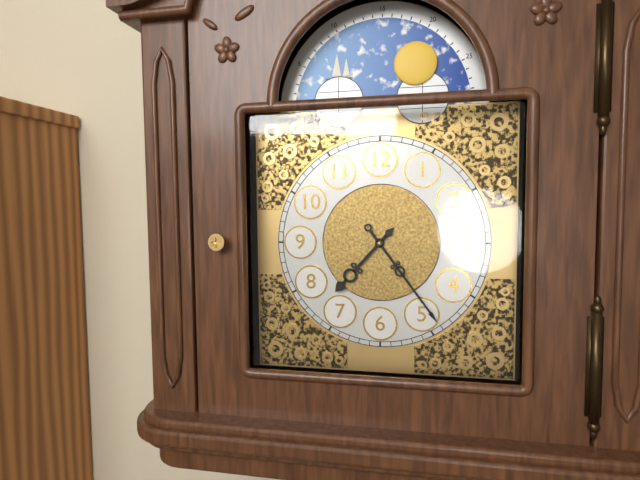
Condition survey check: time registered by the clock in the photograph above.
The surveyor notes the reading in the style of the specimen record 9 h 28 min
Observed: 7 h 24 min
